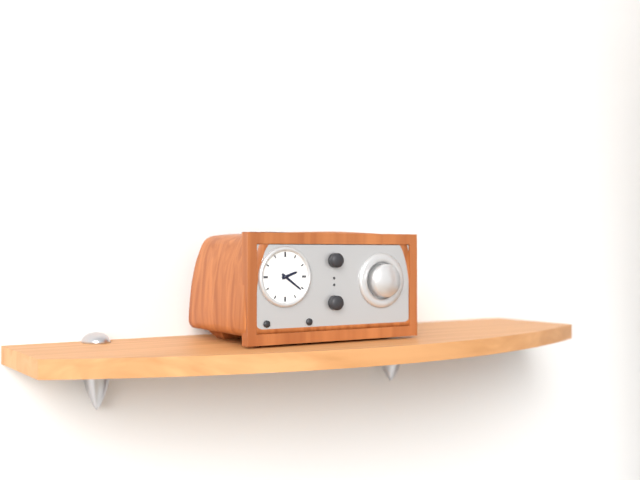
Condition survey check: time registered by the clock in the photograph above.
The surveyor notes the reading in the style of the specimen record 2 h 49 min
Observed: 2 h 21 min
